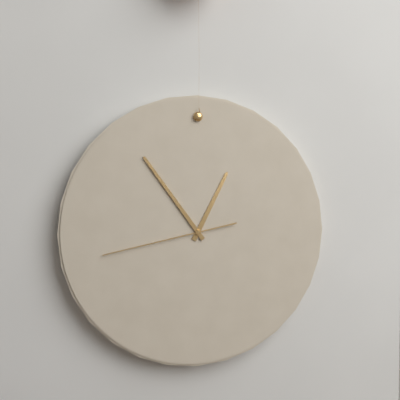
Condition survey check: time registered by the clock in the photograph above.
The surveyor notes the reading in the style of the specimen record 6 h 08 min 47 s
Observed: 12 h 54 min 43 s
